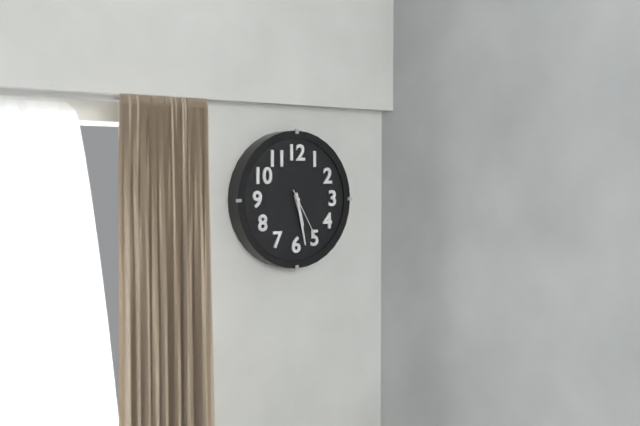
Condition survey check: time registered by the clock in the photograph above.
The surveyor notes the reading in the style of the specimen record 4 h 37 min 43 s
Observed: 5 h 28 min 25 s
